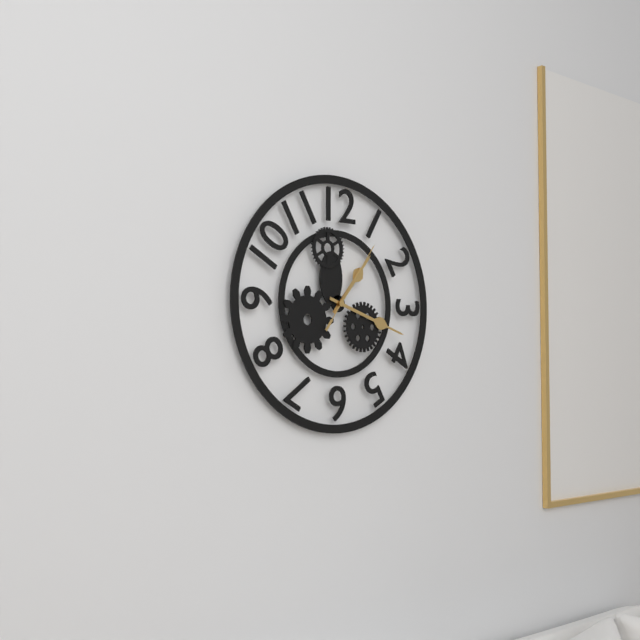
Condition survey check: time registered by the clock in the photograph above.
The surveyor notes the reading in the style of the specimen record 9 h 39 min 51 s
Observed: 1 h 18 min 06 s
